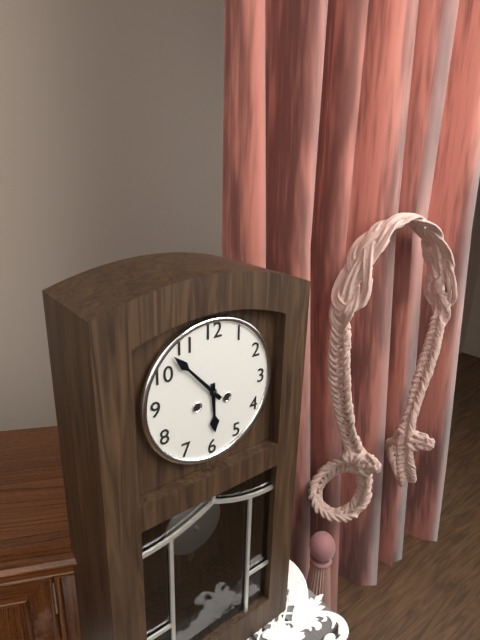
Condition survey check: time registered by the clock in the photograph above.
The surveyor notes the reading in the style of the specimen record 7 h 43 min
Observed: 5 h 53 min
